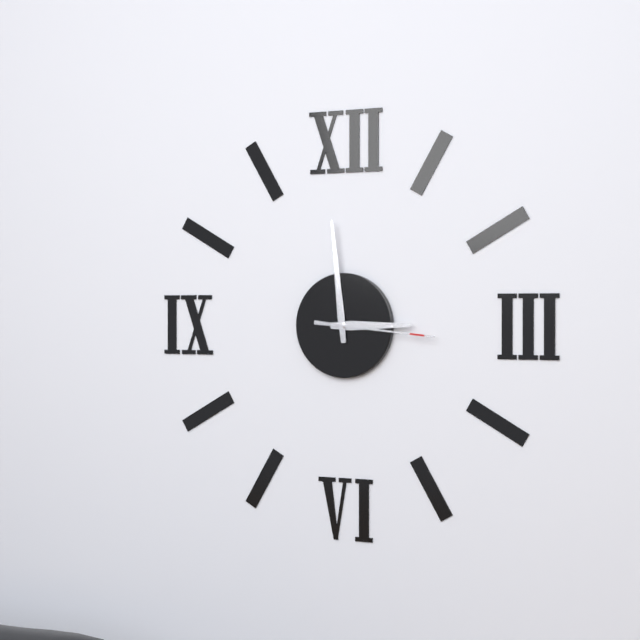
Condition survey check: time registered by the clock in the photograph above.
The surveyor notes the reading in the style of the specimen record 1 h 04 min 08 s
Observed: 2 h 59 min 16 s
